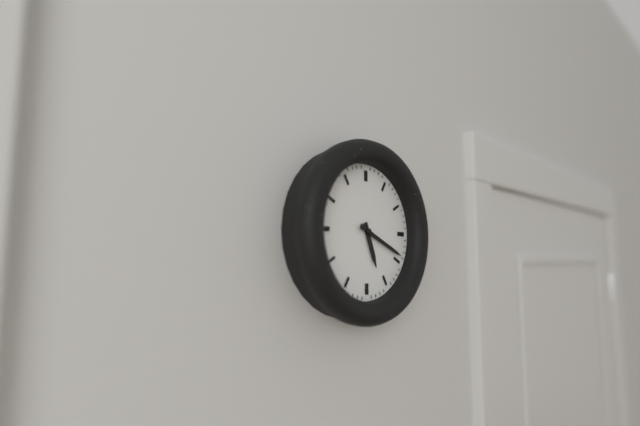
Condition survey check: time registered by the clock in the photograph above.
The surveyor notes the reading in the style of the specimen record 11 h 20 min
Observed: 5 h 19 min
